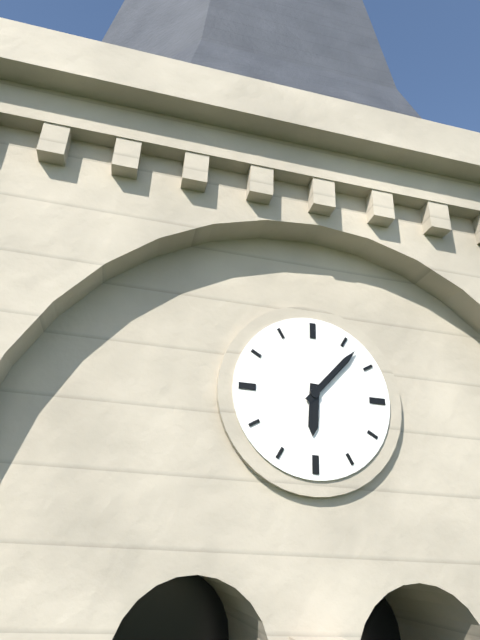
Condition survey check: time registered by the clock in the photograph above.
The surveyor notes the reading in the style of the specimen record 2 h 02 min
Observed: 6 h 07 min
